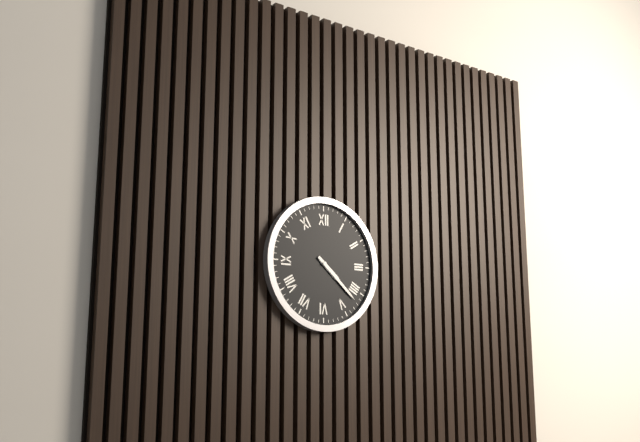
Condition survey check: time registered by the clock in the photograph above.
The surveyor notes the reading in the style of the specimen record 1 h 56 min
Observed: 4 h 22 min
